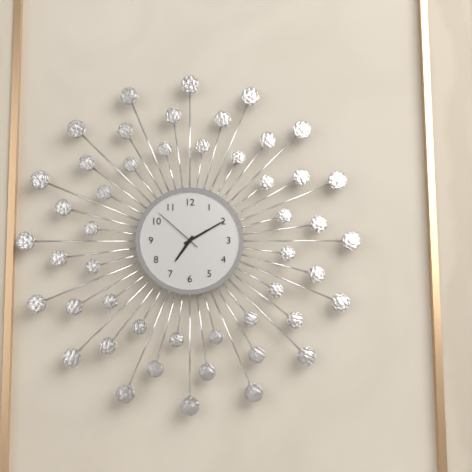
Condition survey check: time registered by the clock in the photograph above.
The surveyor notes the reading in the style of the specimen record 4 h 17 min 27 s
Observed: 7 h 10 min 52 s
